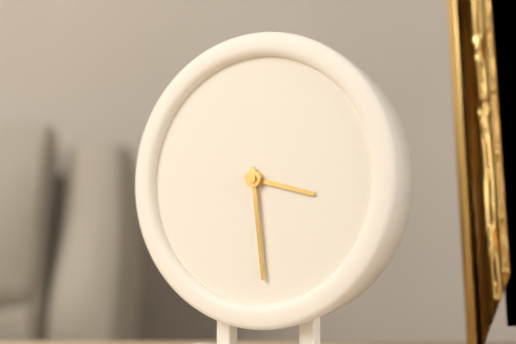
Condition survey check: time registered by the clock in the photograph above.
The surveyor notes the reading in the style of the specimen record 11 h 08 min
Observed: 3 h 29 min
